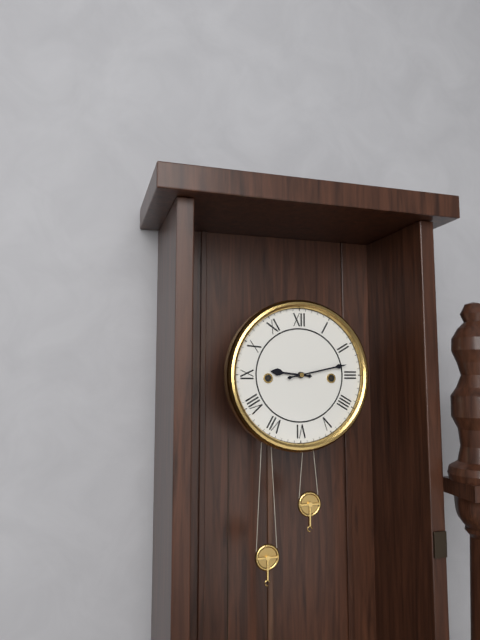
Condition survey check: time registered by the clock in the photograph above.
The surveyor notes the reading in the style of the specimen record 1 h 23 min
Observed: 9 h 13 min
